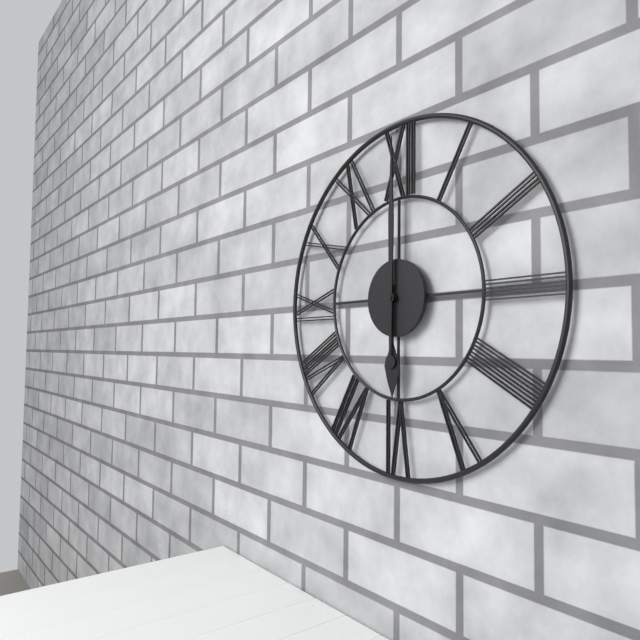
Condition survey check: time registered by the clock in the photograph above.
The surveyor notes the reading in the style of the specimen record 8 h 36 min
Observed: 6 h 00 min
